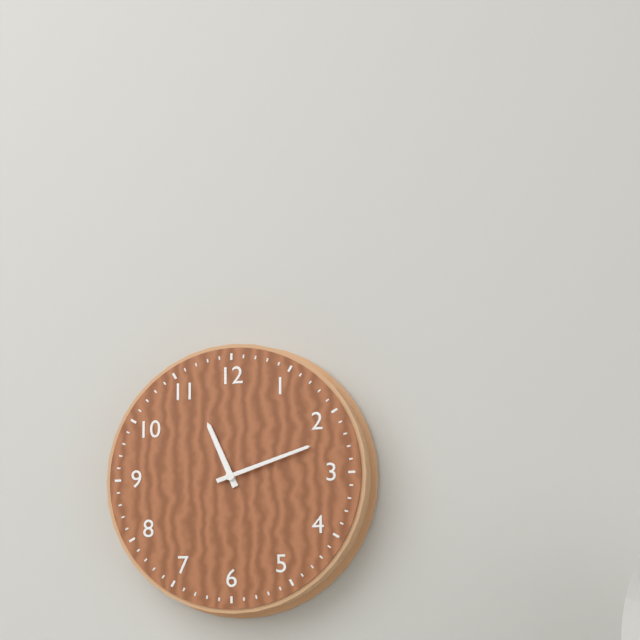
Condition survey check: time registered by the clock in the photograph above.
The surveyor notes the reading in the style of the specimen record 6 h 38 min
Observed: 11 h 12 min
